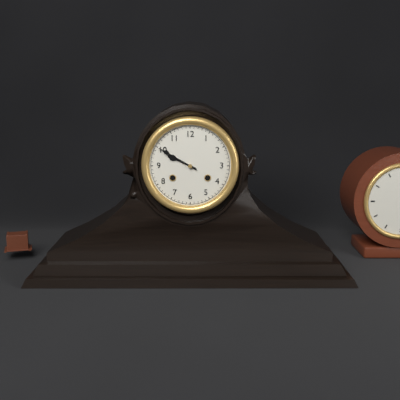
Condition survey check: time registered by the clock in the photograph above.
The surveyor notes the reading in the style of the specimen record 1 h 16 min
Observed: 9 h 50 min
